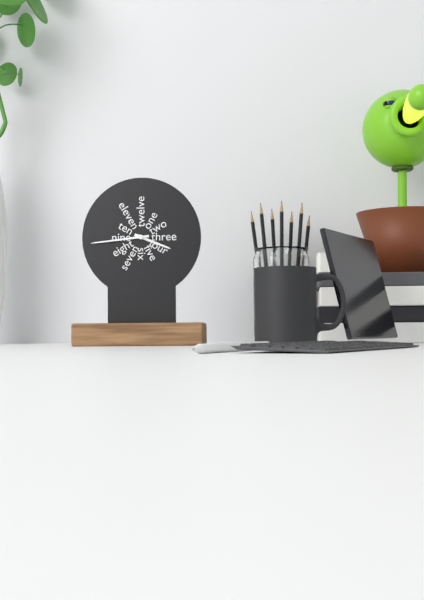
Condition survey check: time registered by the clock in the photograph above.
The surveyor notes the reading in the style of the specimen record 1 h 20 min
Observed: 3 h 44 min
